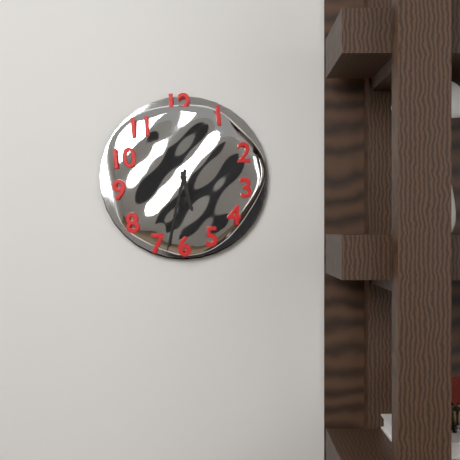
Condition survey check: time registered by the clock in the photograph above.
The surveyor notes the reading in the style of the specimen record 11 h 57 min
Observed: 5 h 32 min
